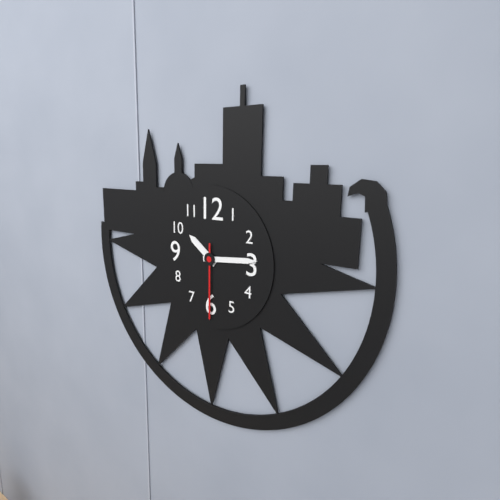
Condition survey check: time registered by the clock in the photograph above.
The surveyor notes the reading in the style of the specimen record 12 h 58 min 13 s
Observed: 10 h 14 min 30 s
